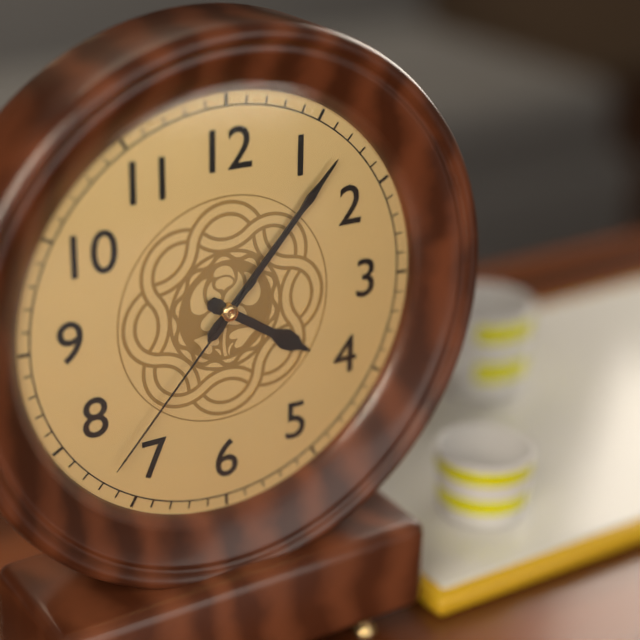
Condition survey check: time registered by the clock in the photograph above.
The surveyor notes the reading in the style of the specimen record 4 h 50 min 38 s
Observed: 4 h 07 min 37 s
